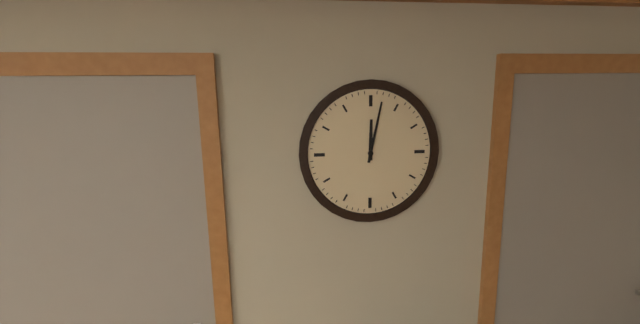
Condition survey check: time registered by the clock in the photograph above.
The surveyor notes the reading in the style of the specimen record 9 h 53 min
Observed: 12 h 02 min
